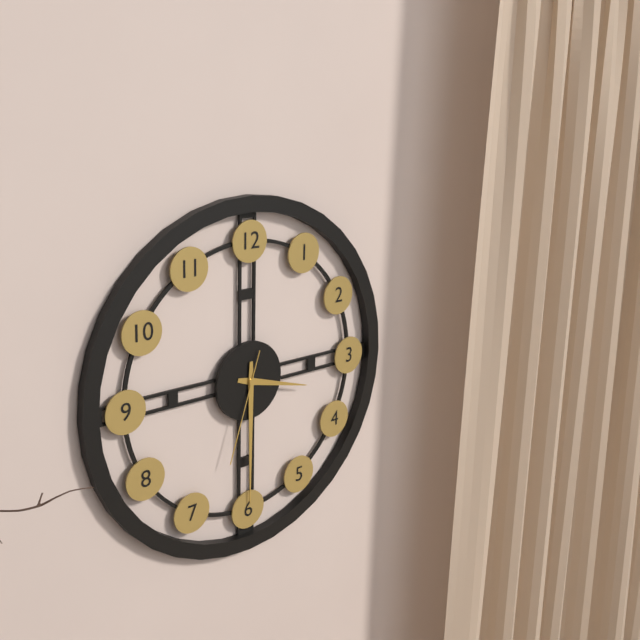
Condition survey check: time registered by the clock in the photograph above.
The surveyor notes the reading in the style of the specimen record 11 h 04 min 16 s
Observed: 3 h 30 min 33 s
